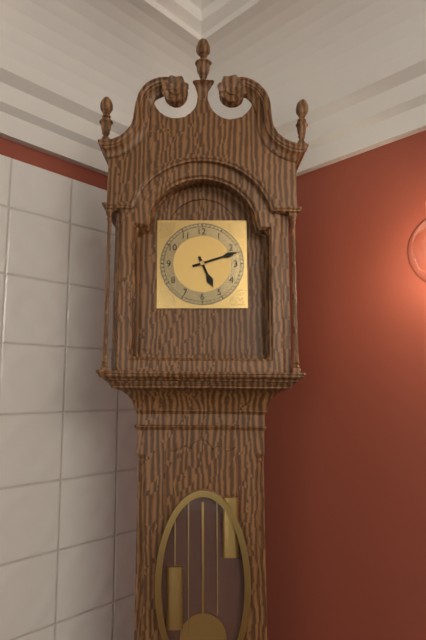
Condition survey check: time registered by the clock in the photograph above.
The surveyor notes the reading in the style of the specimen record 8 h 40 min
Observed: 5 h 12 min
